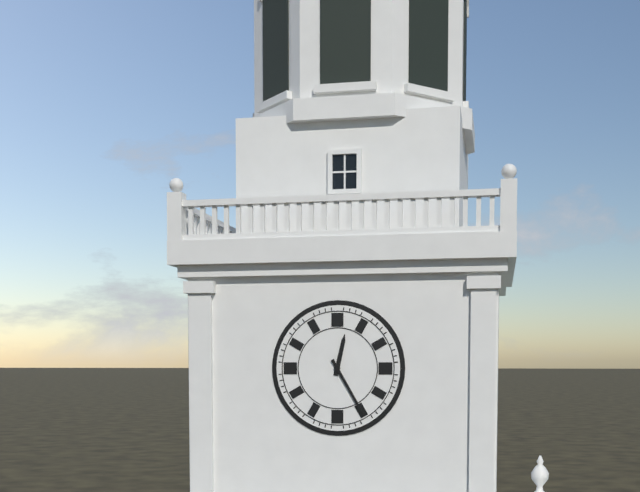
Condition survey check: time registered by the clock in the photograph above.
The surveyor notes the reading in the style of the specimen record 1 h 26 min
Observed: 12 h 25 min
